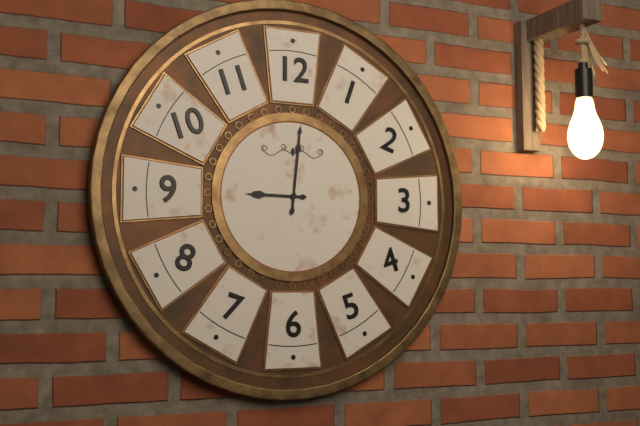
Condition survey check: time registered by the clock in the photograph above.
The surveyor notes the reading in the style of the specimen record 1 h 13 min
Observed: 9 h 01 min
